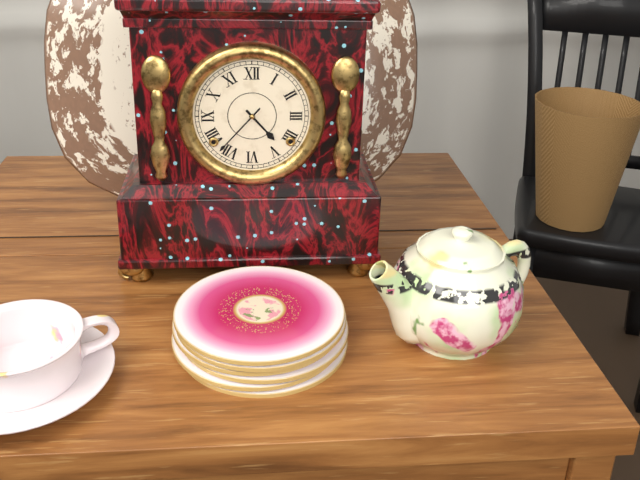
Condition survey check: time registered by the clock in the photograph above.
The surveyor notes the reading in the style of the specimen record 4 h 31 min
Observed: 4 h 37 min
